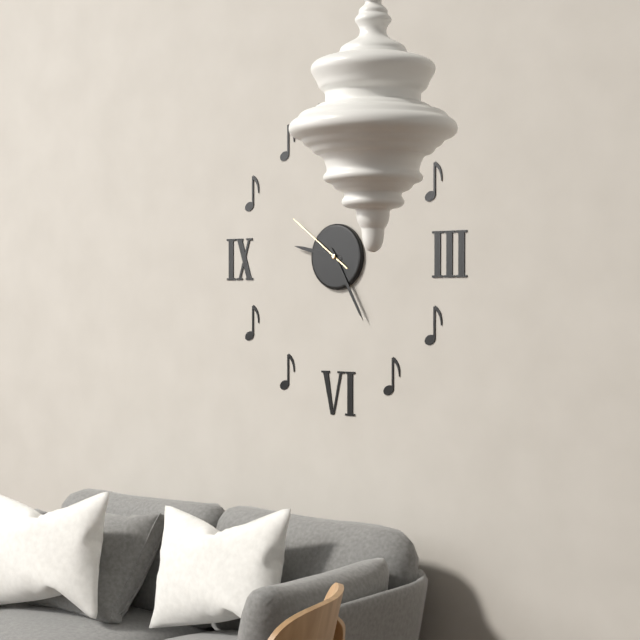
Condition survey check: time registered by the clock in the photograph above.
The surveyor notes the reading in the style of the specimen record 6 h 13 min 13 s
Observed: 9 h 25 min 51 s
